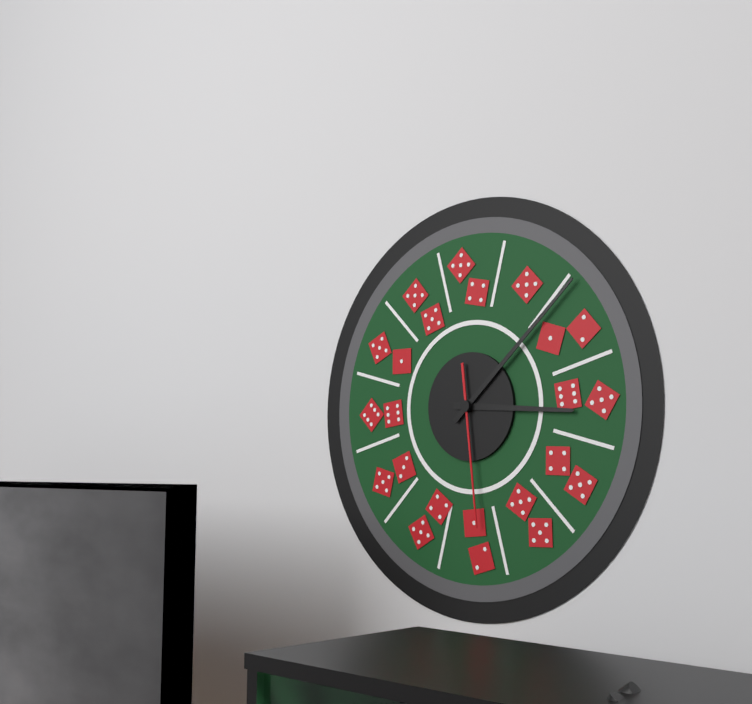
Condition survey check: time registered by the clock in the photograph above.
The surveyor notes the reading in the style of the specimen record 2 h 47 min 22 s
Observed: 3 h 08 min 29 s
